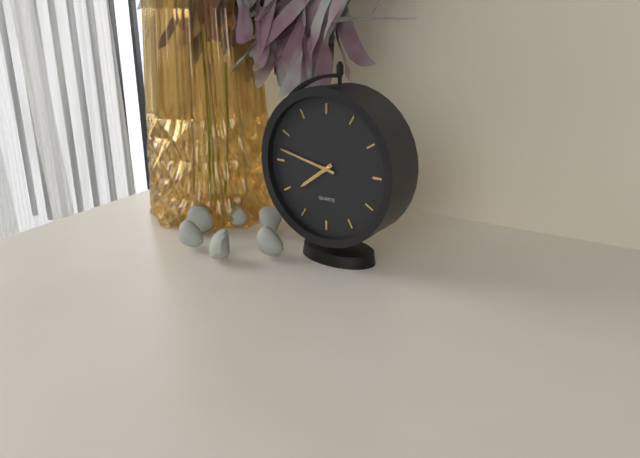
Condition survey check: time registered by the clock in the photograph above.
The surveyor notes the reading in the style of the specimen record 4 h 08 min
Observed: 7 h 47 min
